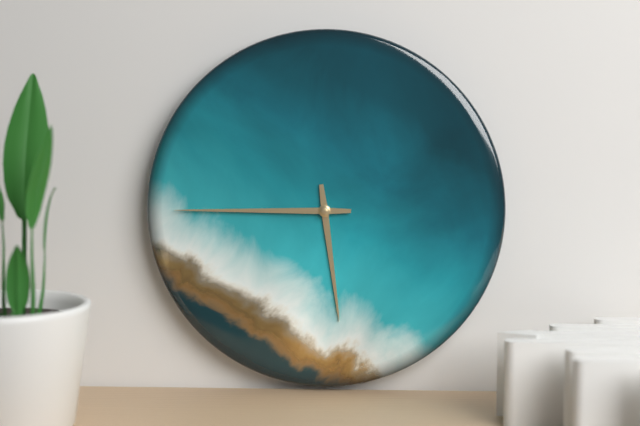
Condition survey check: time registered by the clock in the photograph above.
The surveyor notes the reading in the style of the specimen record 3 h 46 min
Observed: 5 h 45 min
